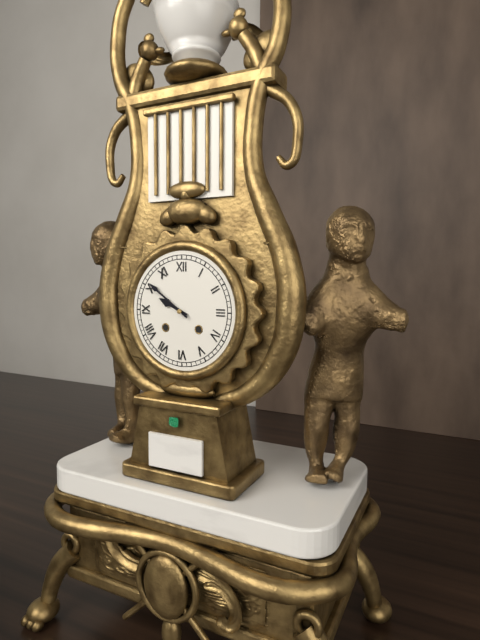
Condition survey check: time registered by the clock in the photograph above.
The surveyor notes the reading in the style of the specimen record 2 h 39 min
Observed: 9 h 51 min
